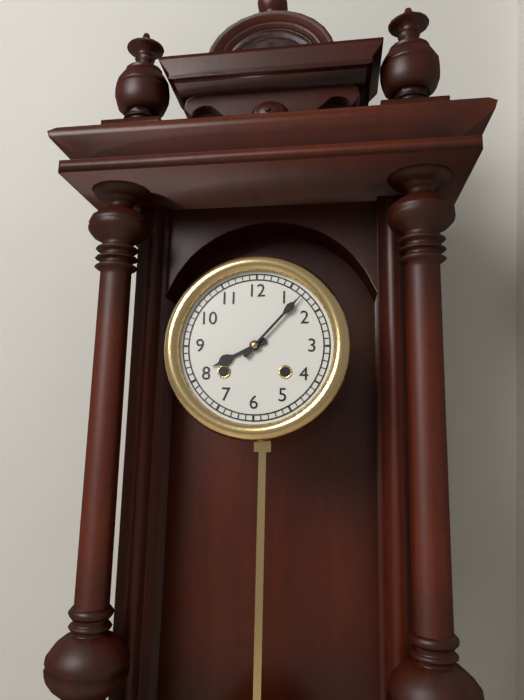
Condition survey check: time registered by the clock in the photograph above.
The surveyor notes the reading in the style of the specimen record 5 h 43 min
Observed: 8 h 07 min
